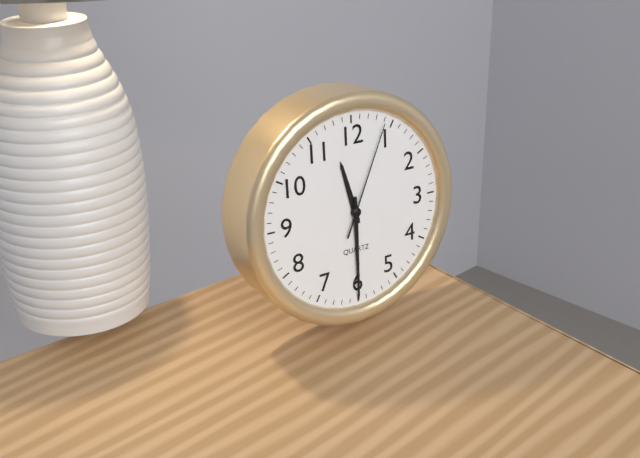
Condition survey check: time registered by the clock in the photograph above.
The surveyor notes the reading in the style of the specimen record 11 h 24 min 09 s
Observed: 11 h 30 min 04 s
